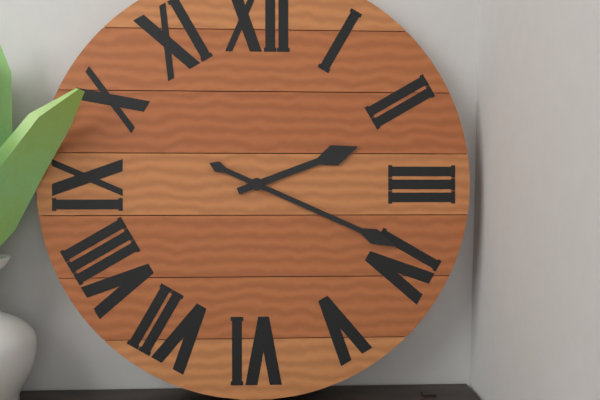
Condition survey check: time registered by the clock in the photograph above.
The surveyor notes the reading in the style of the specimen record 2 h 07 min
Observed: 2 h 19 min
